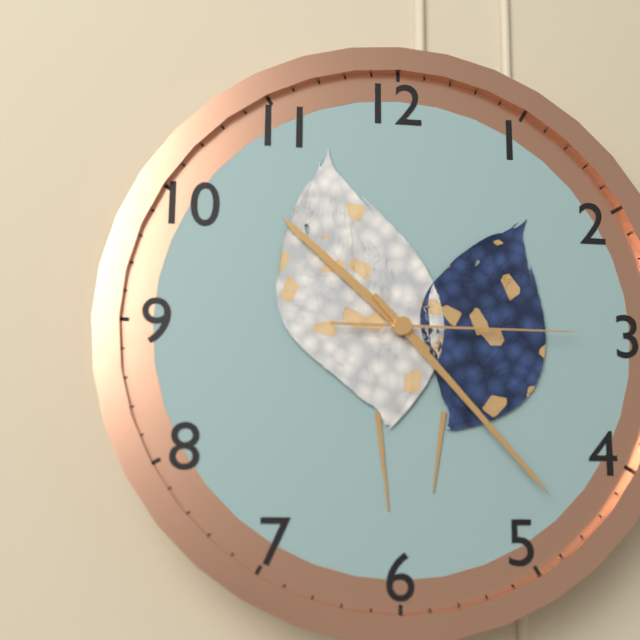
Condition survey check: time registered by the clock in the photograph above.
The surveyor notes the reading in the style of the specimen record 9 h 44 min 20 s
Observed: 10 h 23 min 15 s
